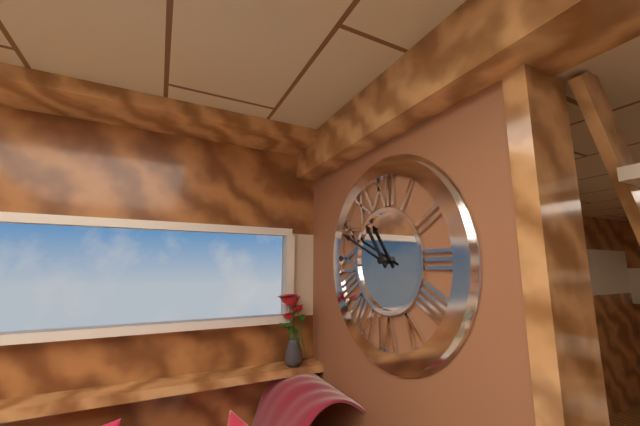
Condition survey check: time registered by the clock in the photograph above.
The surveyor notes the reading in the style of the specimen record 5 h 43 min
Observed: 10 h 49 min
